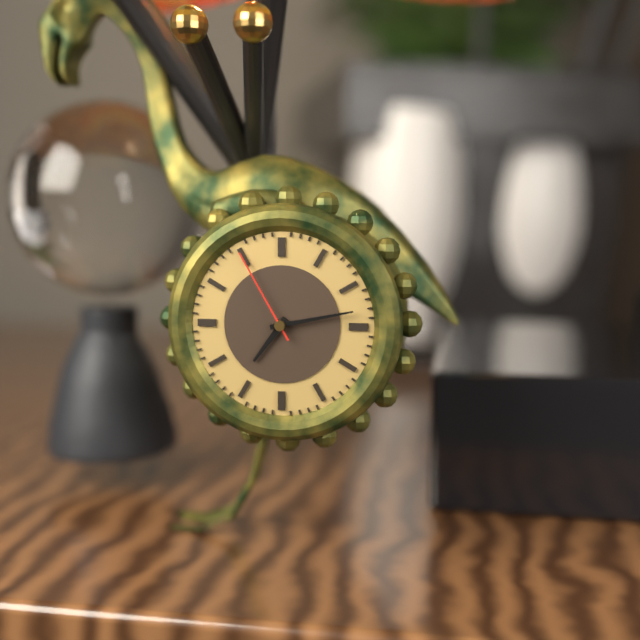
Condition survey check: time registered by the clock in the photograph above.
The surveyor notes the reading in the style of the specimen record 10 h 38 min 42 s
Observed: 7 h 13 min 55 s
